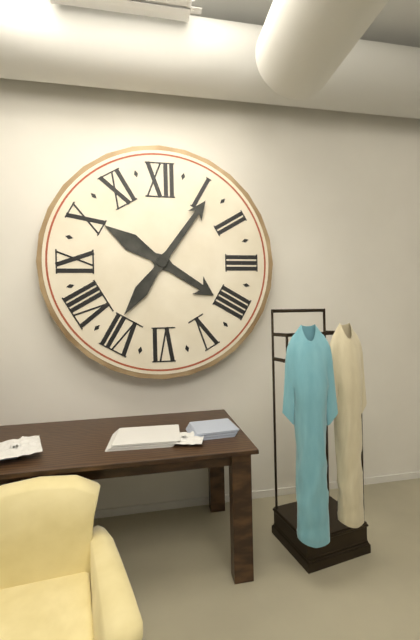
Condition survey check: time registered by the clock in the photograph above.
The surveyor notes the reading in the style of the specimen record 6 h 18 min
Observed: 4 h 06 min
